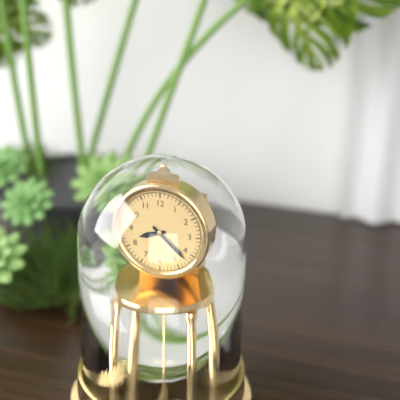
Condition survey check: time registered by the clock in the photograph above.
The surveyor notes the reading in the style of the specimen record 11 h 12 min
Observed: 8 h 22 min
